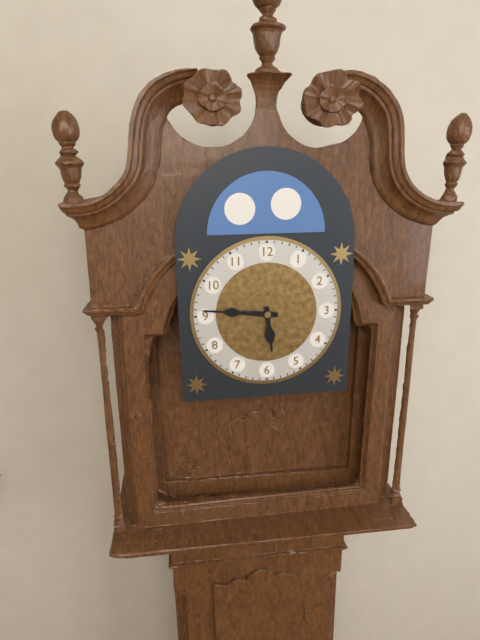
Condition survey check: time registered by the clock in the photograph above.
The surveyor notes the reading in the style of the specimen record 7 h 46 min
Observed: 5 h 46 min
